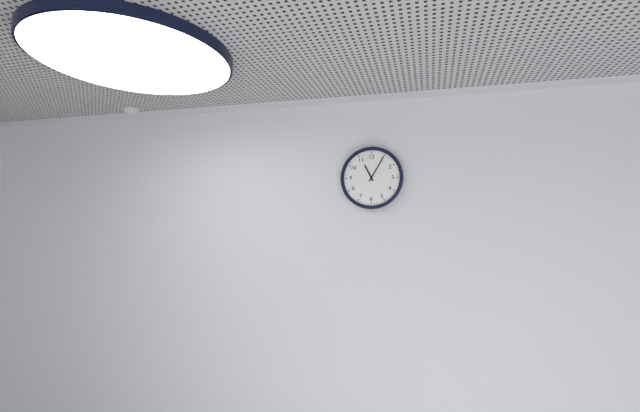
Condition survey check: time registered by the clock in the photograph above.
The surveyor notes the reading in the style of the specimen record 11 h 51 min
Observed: 11 h 05 min
